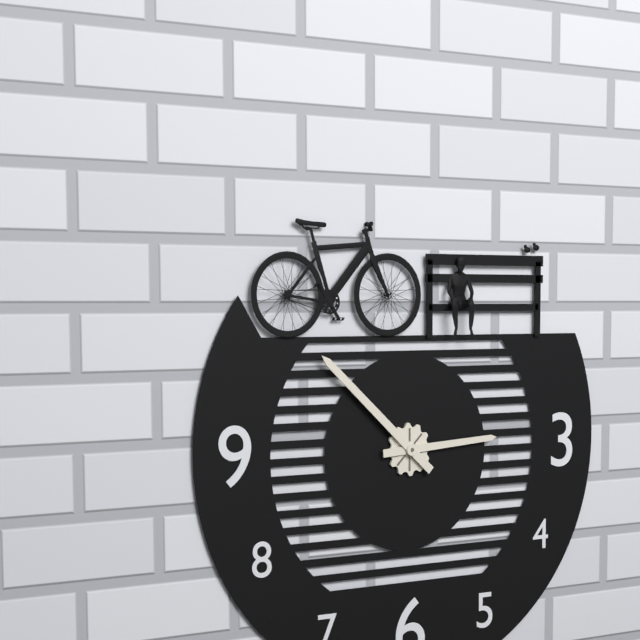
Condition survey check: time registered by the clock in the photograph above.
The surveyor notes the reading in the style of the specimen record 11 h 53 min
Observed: 2 h 52 min
